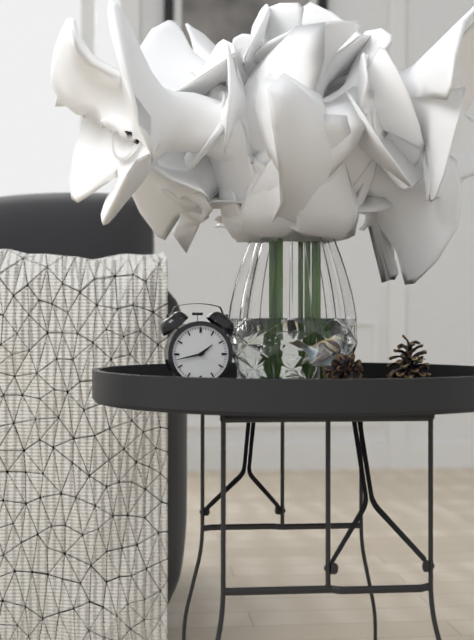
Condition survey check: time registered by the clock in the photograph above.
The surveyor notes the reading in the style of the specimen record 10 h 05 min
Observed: 1 h 43 min
